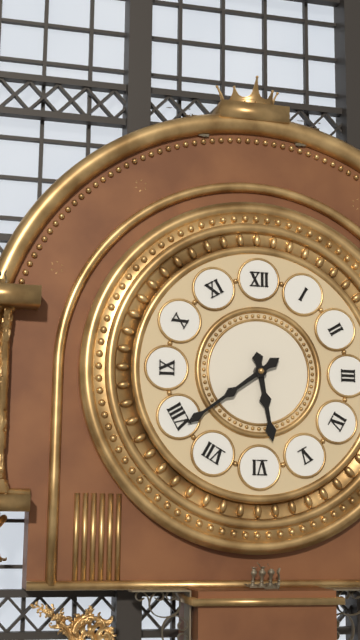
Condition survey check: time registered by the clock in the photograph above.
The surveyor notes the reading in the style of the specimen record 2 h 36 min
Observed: 5 h 39 min
